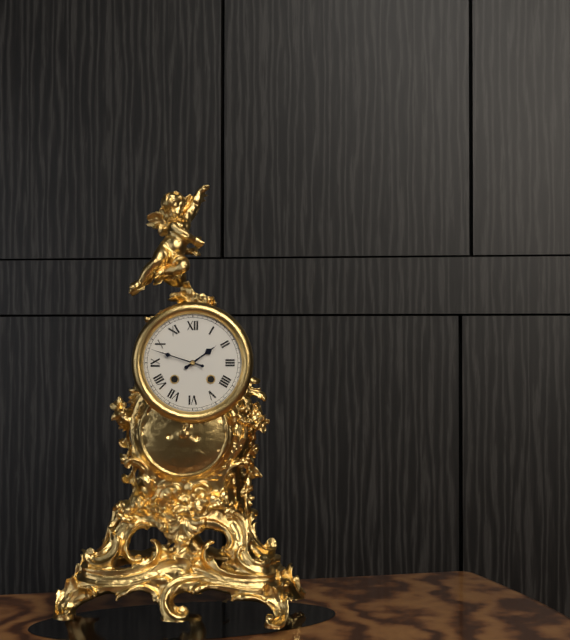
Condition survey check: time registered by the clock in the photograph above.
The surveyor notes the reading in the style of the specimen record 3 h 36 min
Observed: 1 h 48 min
